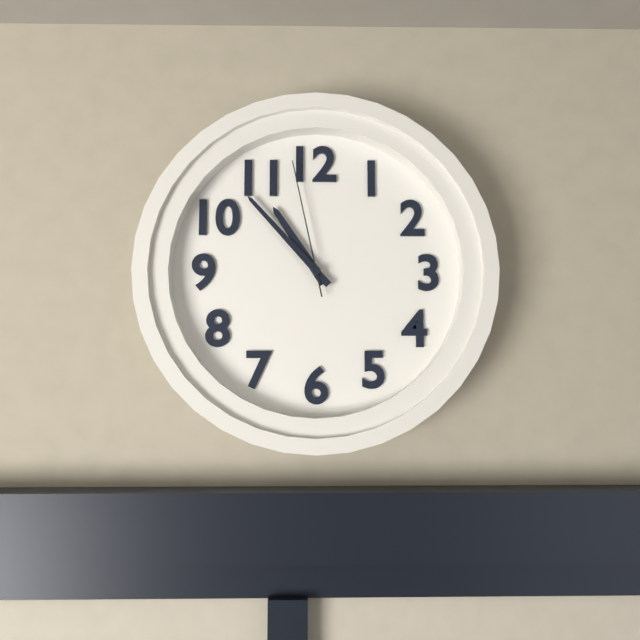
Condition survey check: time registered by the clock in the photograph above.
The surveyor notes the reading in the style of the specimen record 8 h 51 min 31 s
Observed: 10 h 53 min 58 s
